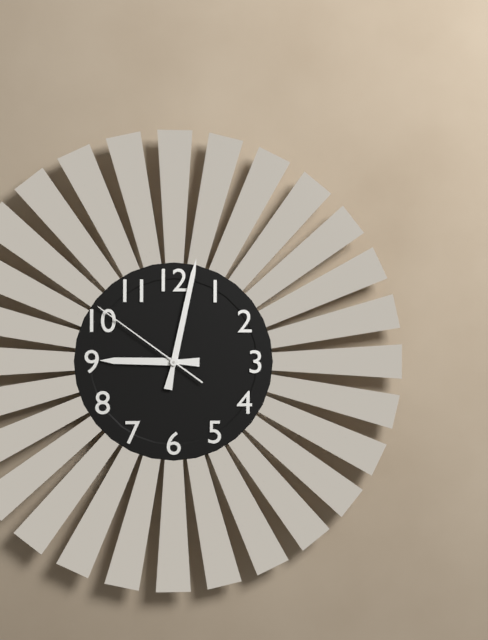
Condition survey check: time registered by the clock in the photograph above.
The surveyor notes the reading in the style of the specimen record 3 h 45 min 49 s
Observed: 9 h 02 min 51 s
